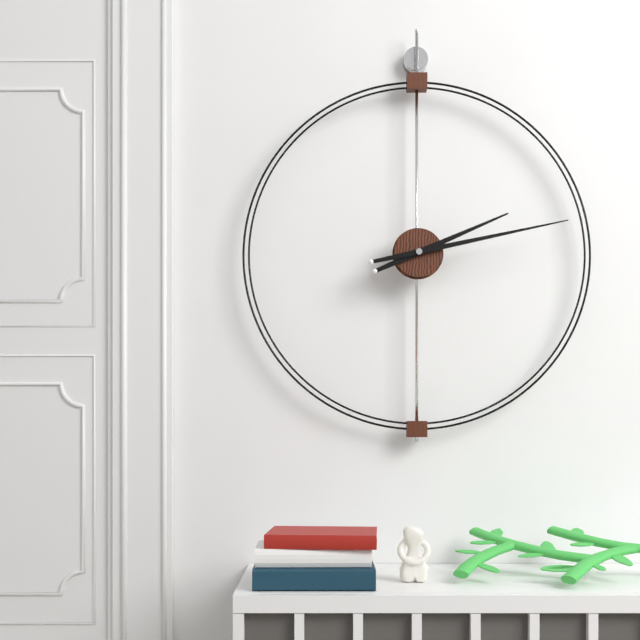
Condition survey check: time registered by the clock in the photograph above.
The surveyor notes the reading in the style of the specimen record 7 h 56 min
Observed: 2 h 13 min
